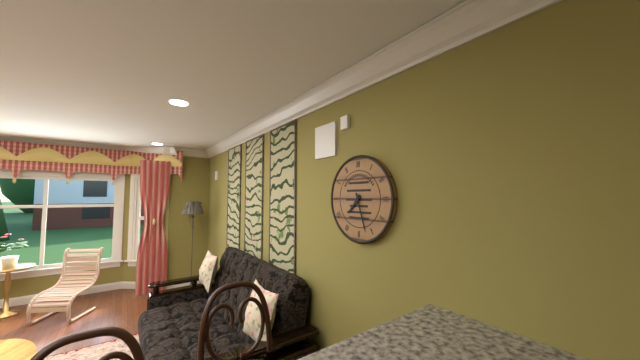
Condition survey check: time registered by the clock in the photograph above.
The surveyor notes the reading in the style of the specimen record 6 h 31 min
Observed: 7 h 27 min
